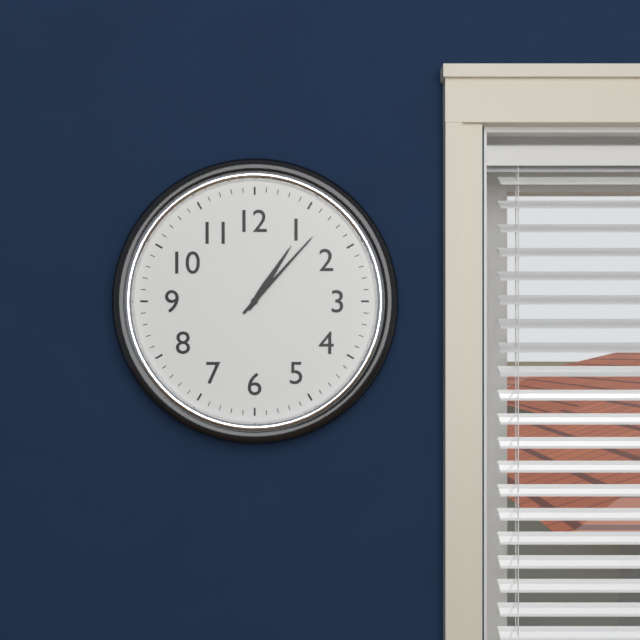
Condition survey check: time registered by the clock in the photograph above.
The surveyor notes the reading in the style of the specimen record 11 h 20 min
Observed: 1 h 07 min
